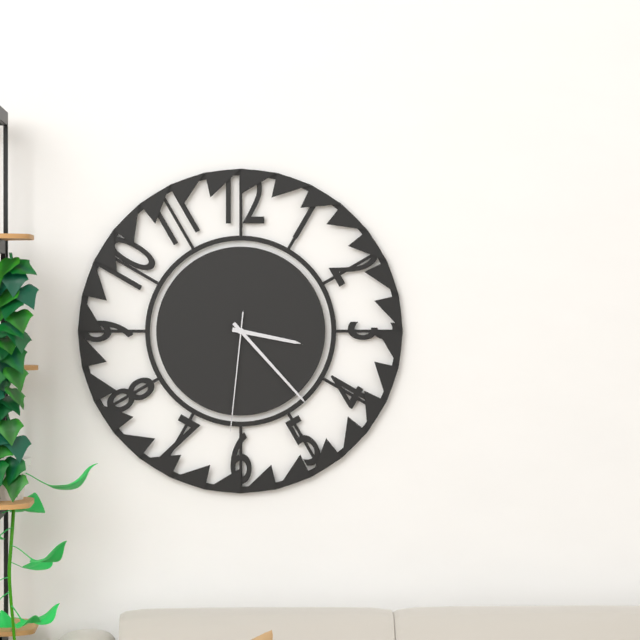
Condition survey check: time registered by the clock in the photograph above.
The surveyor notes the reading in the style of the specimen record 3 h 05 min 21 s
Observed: 3 h 23 min 31 s
